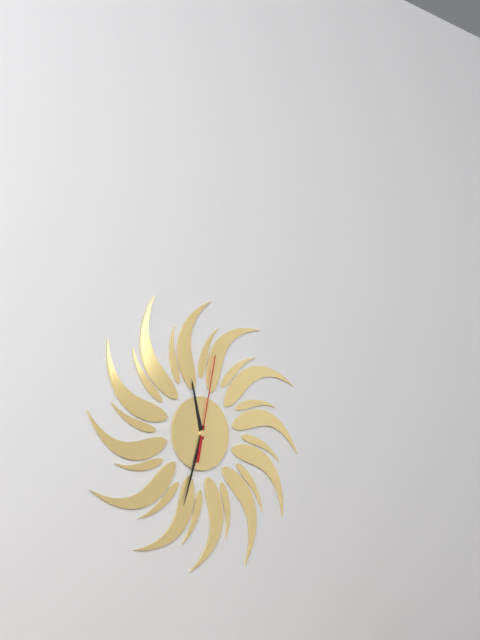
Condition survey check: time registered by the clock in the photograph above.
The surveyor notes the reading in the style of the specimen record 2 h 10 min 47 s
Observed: 11 h 33 min 02 s
